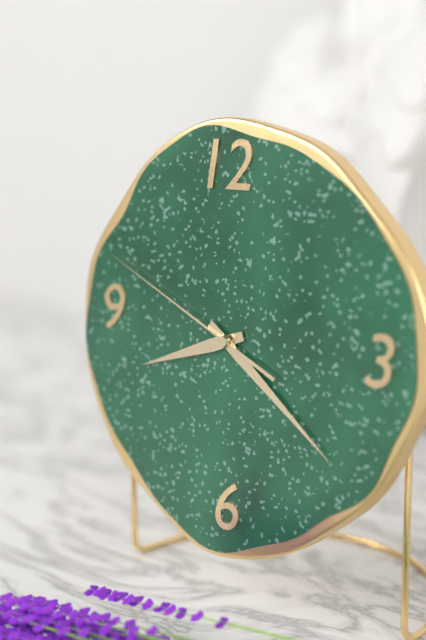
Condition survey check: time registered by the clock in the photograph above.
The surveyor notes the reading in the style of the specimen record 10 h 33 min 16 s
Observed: 8 h 21 min 49 s
